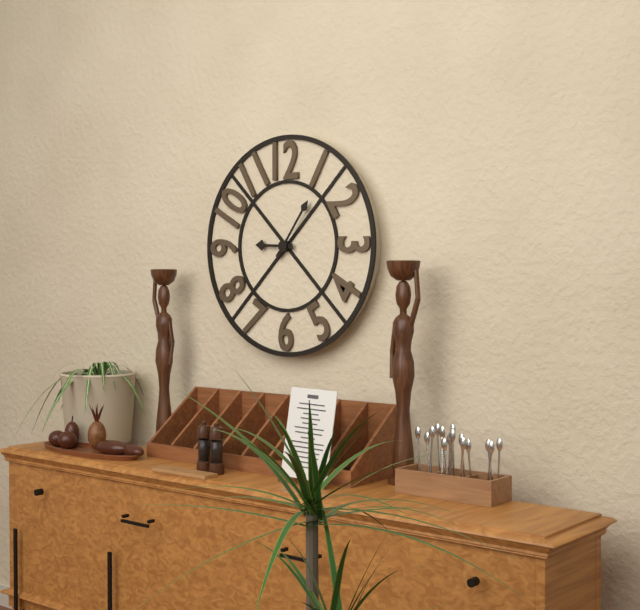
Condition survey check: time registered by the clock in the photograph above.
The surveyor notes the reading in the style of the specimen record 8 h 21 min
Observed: 9 h 06 min
